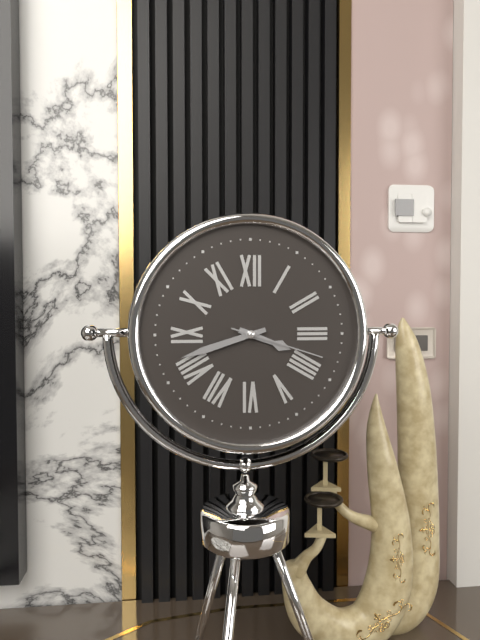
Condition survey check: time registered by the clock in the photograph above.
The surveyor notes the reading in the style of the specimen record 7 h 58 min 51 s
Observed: 3 h 42 min 18 s
